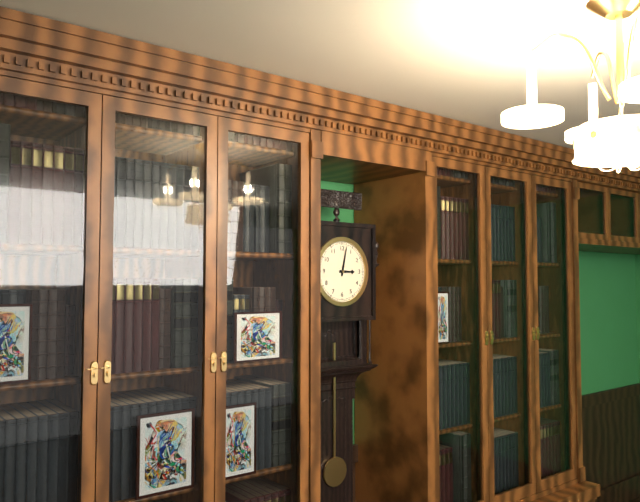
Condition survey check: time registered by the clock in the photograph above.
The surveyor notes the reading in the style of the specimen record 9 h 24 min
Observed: 3 h 02 min
